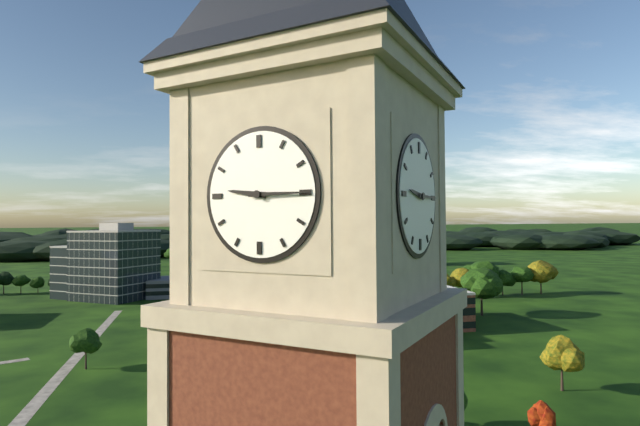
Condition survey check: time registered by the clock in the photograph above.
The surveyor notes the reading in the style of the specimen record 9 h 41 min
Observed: 9 h 15 min
